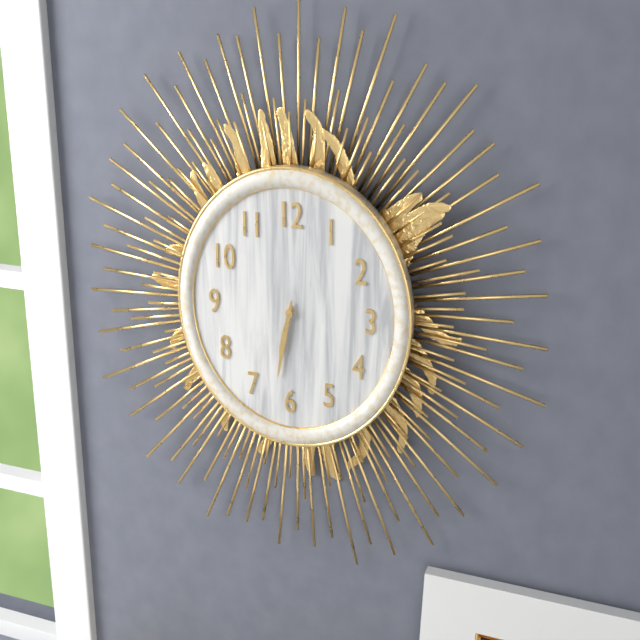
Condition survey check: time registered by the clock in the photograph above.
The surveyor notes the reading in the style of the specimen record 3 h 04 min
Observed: 6 h 32 min
